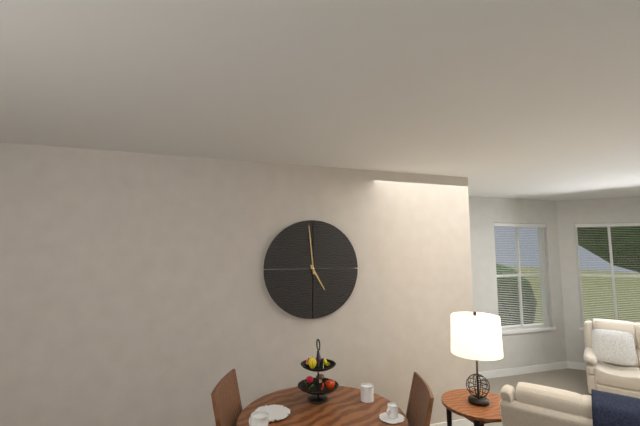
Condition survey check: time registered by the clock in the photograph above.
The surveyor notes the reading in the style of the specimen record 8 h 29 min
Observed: 4 h 59 min
